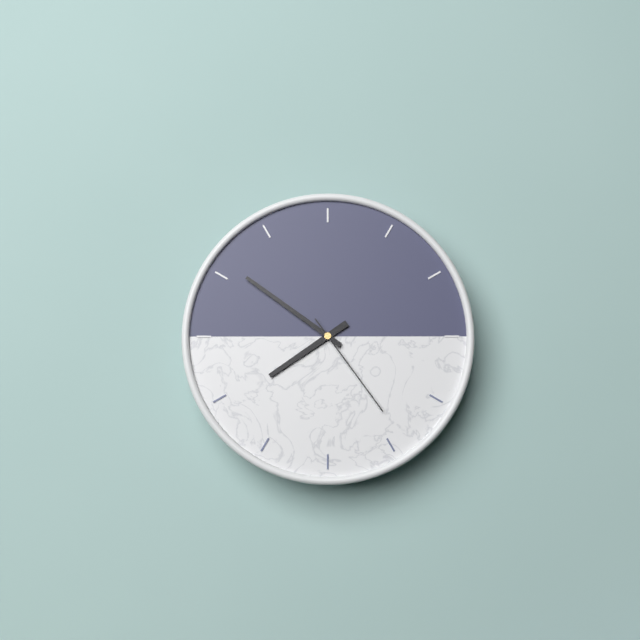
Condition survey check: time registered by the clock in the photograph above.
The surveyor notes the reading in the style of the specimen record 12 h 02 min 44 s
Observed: 7 h 51 min 24 s
